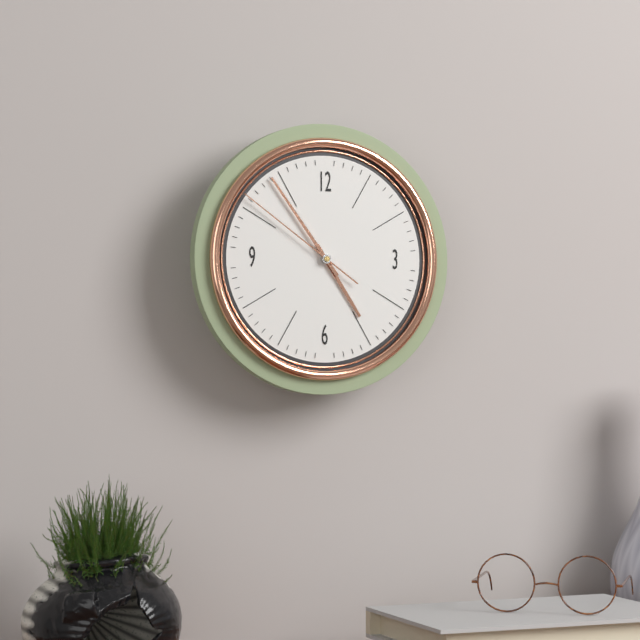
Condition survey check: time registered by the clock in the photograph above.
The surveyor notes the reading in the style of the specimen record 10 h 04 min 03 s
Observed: 4 h 54 min 51 s
